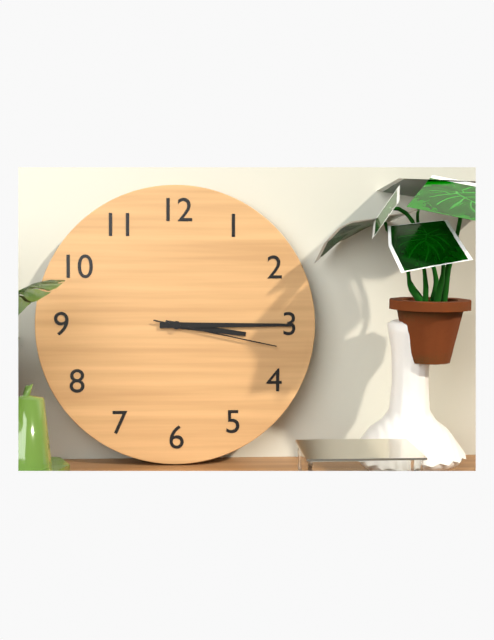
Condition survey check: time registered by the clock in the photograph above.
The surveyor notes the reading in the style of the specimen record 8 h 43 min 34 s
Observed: 3 h 15 min 17 s
